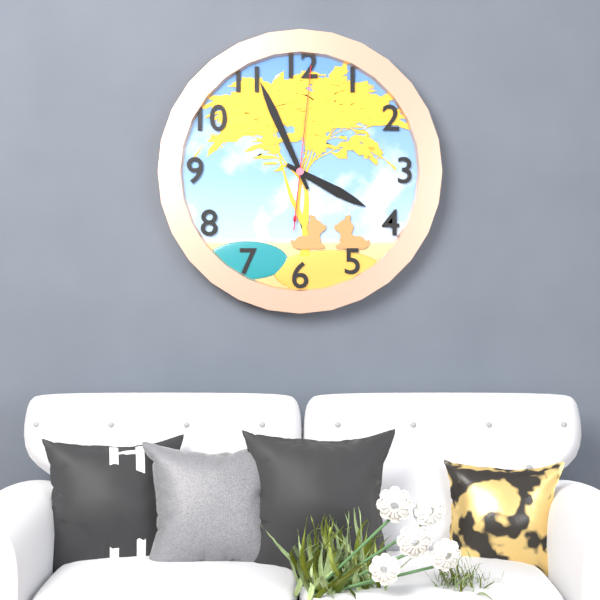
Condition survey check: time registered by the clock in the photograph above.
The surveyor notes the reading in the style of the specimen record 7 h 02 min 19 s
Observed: 3 h 56 min 01 s
